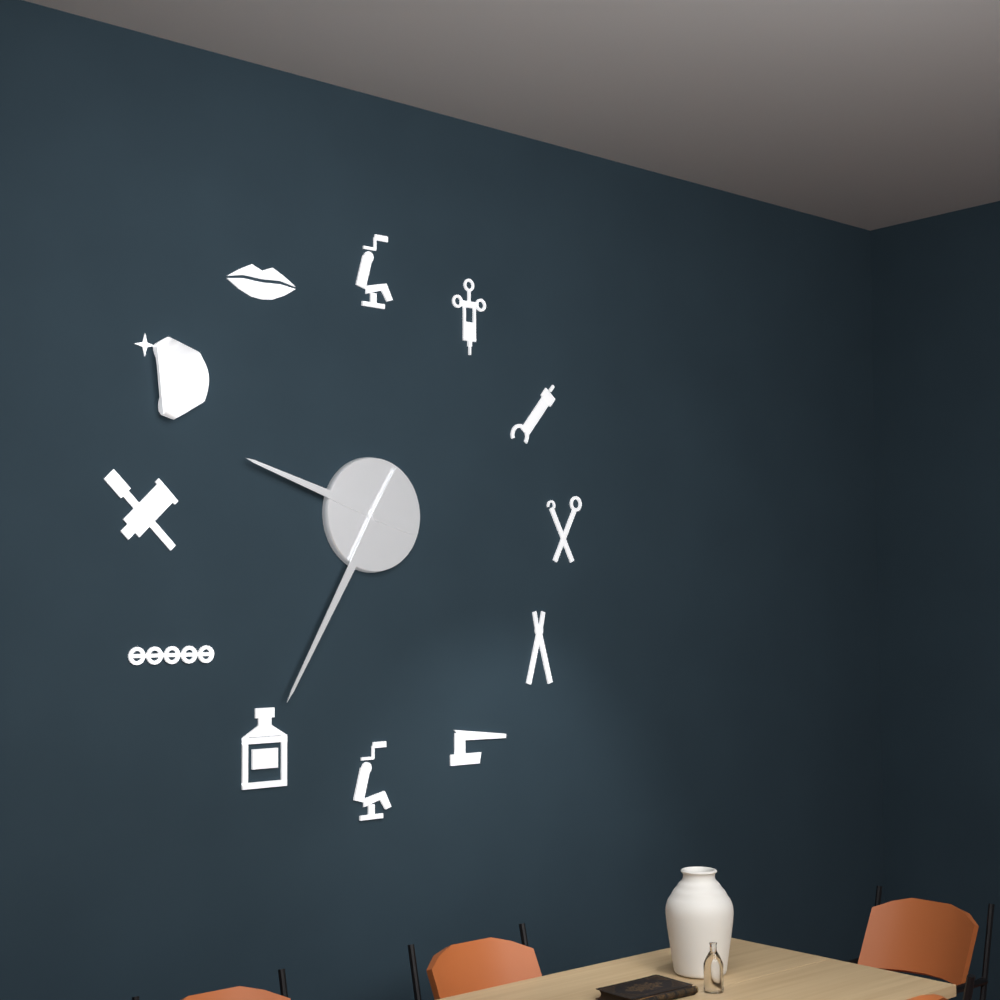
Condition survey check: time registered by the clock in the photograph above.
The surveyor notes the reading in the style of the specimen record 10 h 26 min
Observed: 9 h 35 min
